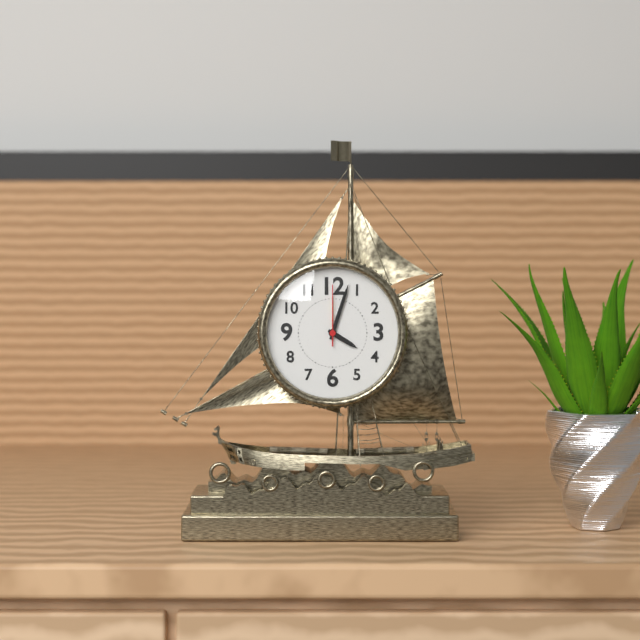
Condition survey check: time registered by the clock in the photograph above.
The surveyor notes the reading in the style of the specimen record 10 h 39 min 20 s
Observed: 4 h 03 min 00 s
